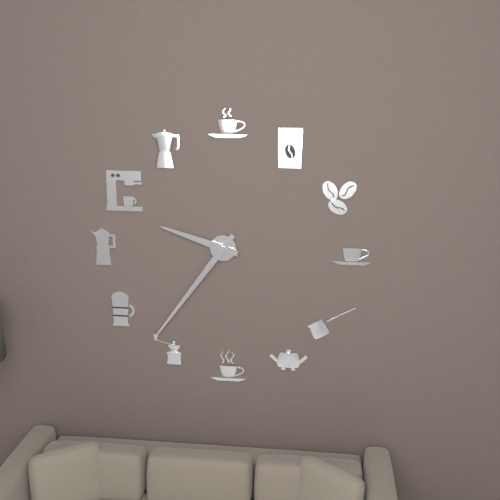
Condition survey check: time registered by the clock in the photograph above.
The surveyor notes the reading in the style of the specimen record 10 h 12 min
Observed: 9 h 36 min
